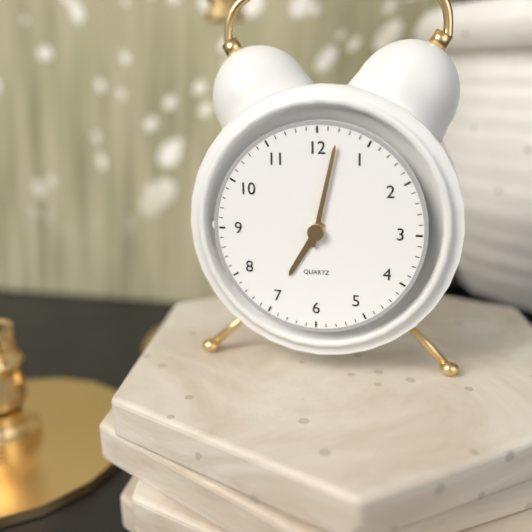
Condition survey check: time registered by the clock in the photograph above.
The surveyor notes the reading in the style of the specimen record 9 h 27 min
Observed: 7 h 02 min
